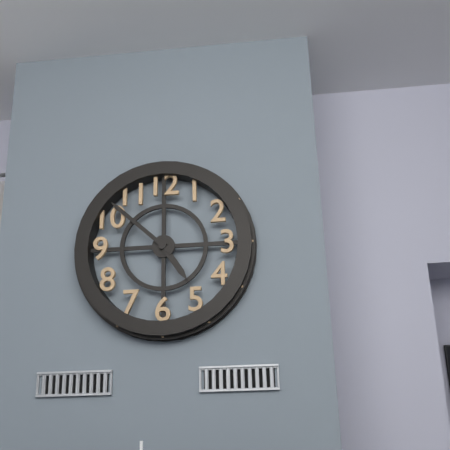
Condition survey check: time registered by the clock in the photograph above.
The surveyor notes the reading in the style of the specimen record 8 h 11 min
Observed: 4 h 52 min
